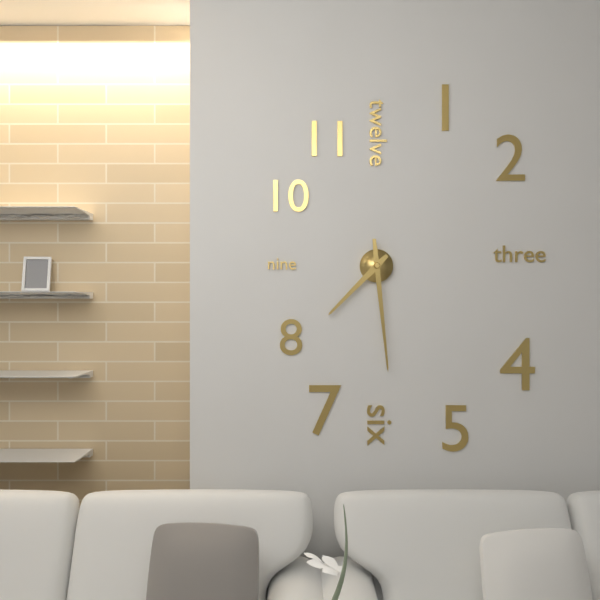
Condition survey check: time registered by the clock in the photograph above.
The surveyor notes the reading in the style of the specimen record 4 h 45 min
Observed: 7 h 29 min
